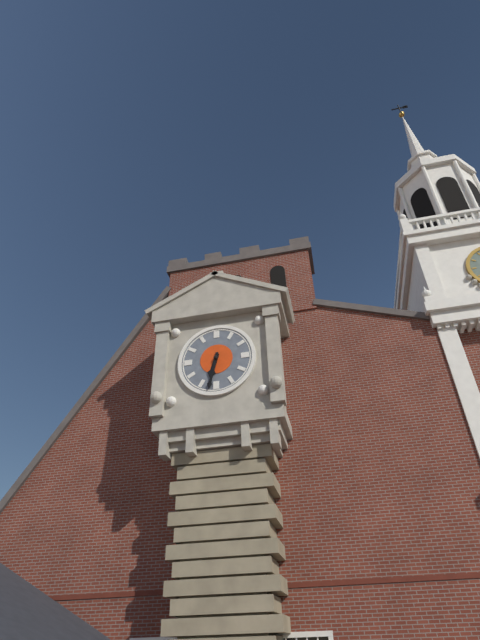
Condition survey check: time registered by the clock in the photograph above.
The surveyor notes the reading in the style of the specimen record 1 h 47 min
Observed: 6 h 32 min
